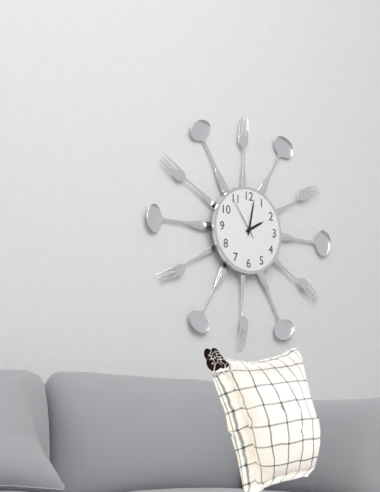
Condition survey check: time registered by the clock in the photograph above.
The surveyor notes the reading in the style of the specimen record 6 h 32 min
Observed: 2 h 02 min
